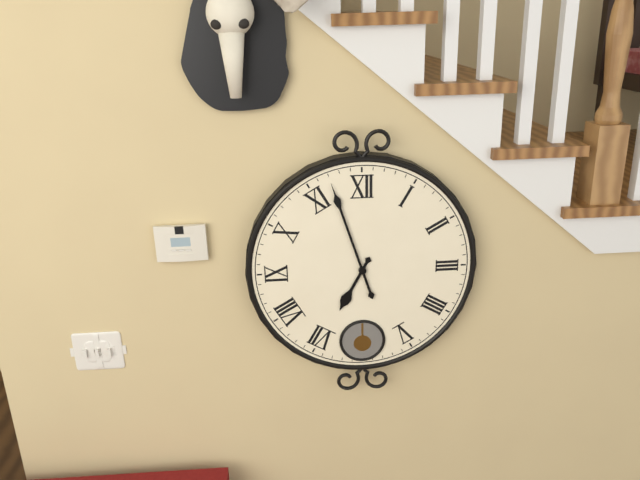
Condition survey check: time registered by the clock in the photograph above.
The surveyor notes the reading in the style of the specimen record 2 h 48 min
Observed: 6 h 57 min
